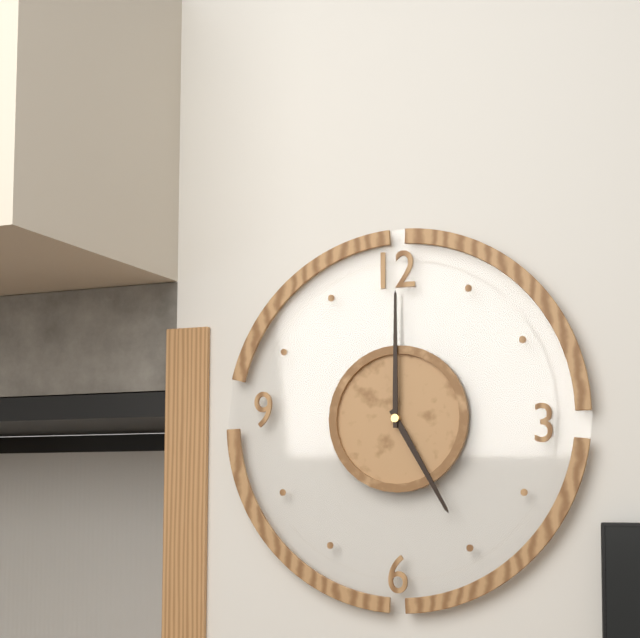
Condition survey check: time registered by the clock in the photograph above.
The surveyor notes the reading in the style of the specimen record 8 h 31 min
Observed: 5 h 00 min
